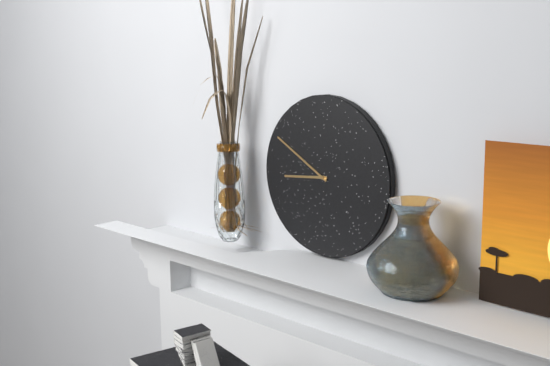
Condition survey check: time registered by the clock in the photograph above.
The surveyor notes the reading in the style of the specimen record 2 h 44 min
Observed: 8 h 50 min
